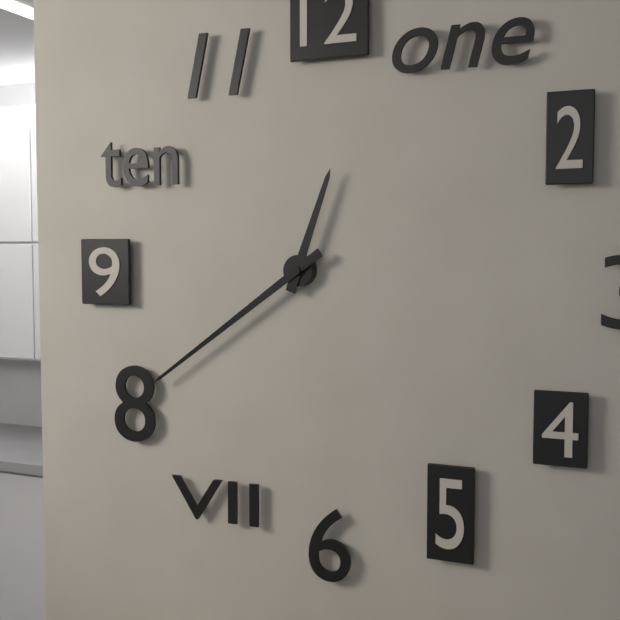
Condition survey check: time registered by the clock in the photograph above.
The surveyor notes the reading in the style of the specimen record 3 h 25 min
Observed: 12 h 39 min
